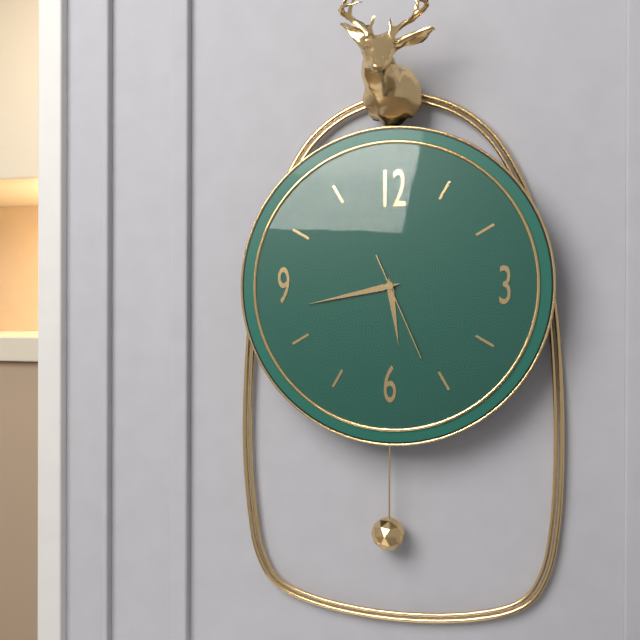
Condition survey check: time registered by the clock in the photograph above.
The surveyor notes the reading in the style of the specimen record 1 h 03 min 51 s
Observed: 5 h 43 min 26 s
